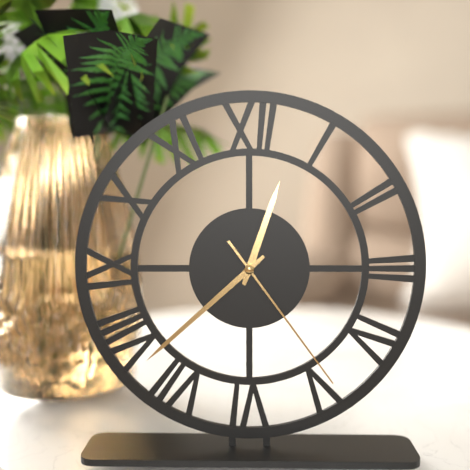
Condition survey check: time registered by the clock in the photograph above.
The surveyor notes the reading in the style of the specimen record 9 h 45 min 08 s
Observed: 12 h 38 min 24 s
